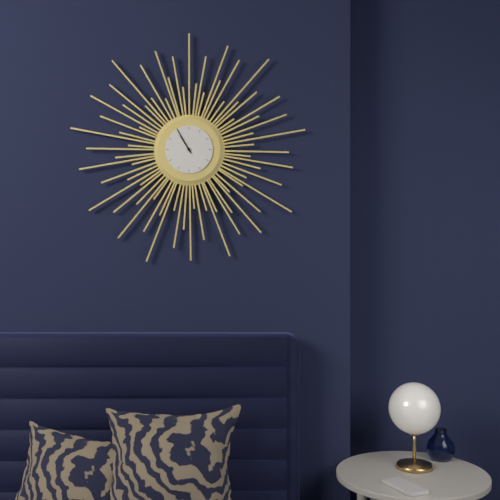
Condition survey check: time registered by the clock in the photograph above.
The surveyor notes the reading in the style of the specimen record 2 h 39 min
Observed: 10 h 55 min
